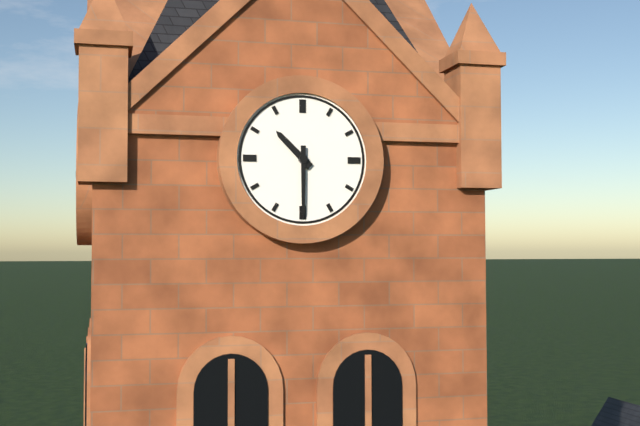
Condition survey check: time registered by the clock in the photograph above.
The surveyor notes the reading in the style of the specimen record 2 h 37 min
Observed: 10 h 30 min
